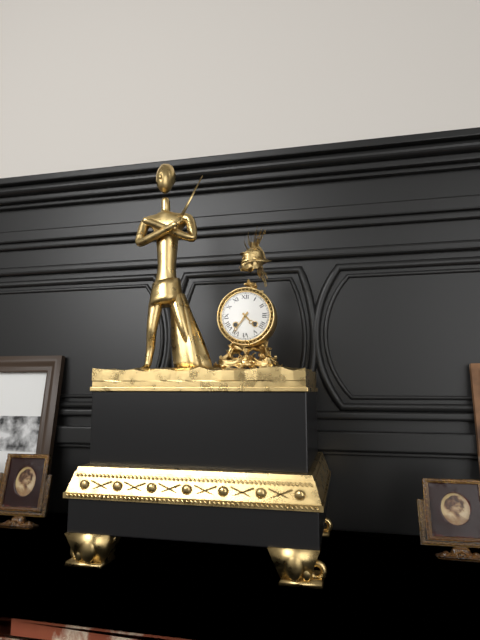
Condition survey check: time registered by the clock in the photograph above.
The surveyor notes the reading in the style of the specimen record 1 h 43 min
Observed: 4 h 36 min
